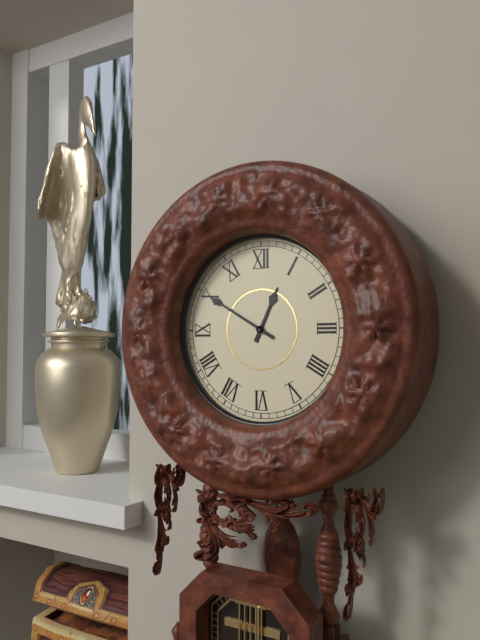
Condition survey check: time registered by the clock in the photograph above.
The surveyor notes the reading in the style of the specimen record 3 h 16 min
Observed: 12 h 50 min
